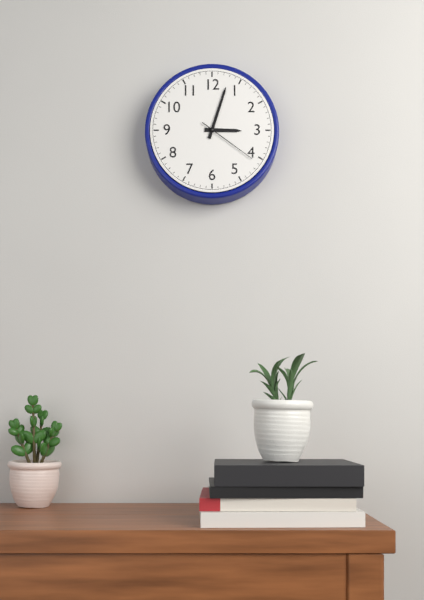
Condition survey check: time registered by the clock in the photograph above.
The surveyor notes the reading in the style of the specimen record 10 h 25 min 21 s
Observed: 3 h 03 min 21 s
